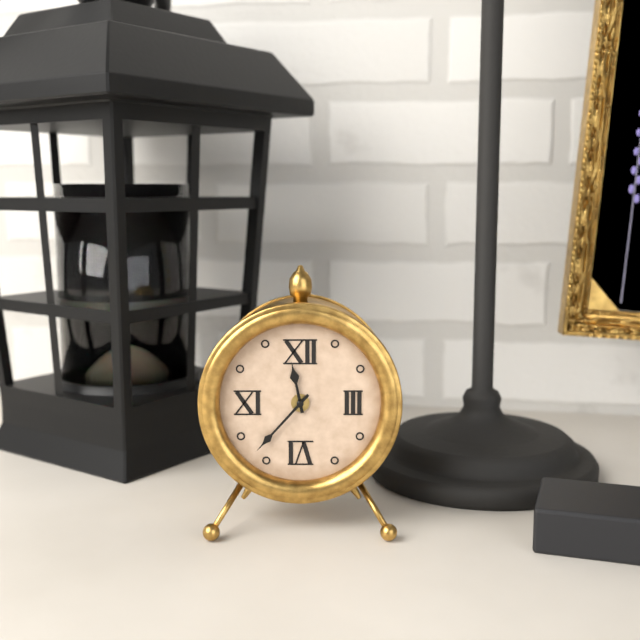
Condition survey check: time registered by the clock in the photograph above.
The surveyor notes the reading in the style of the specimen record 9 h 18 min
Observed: 11 h 37 min
